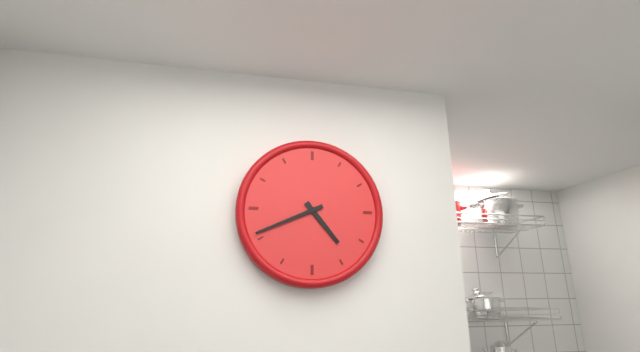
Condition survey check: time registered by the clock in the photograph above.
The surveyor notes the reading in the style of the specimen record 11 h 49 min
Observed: 4 h 41 min
